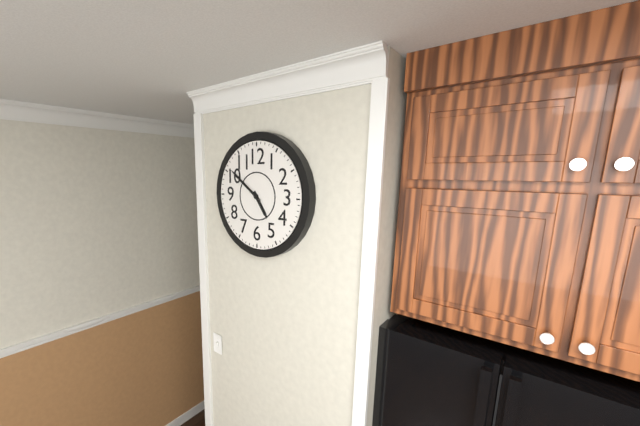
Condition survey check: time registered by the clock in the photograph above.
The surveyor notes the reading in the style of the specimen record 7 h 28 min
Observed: 4 h 51 min
